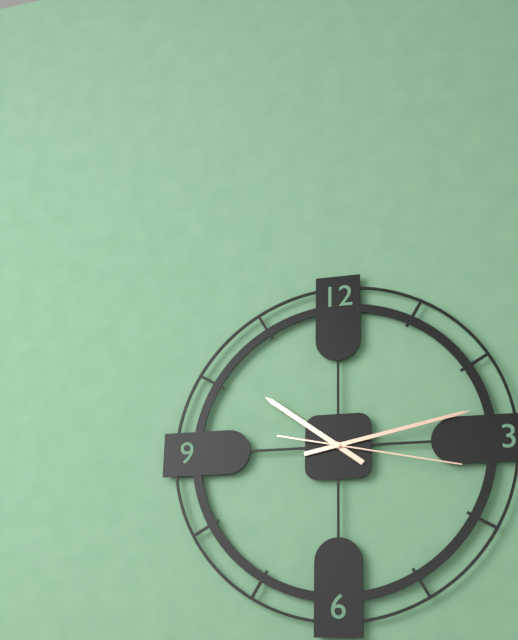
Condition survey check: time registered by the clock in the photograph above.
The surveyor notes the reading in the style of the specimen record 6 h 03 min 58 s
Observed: 10 h 13 min 17 s
